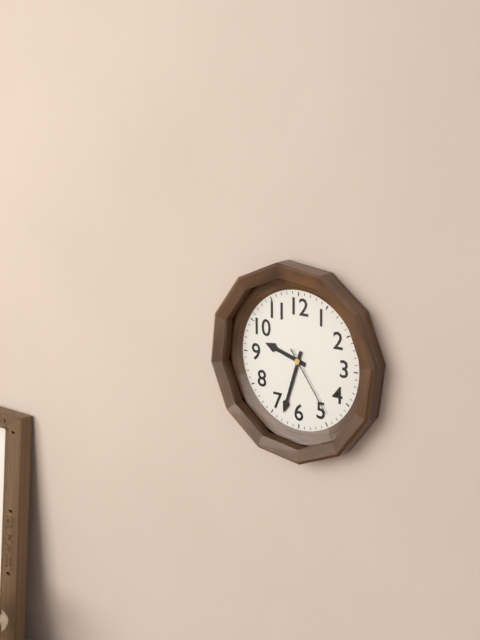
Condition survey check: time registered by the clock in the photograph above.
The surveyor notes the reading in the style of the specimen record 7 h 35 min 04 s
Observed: 9 h 33 min 24 s
